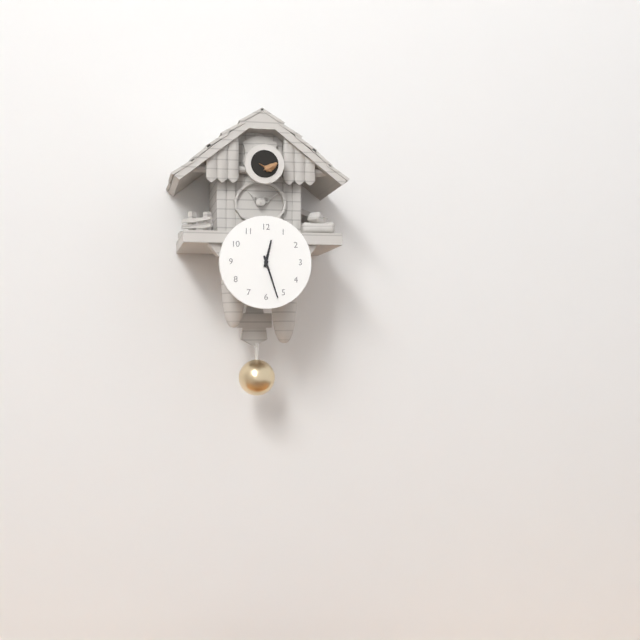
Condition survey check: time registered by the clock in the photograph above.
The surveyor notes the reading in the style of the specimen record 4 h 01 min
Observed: 12 h 27 min
